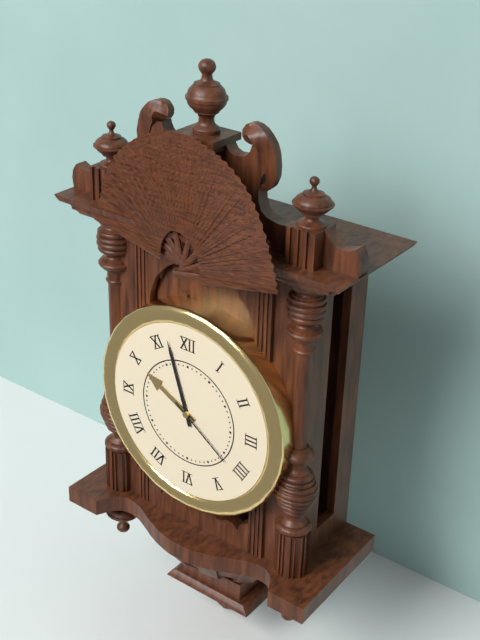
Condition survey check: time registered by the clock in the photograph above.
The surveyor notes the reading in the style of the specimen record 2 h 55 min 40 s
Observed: 9 h 57 min 21 s
